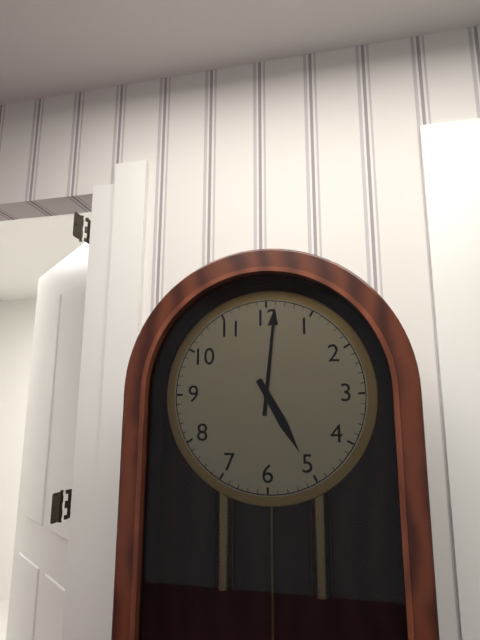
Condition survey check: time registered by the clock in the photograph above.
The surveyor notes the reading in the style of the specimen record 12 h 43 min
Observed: 5 h 01 min
